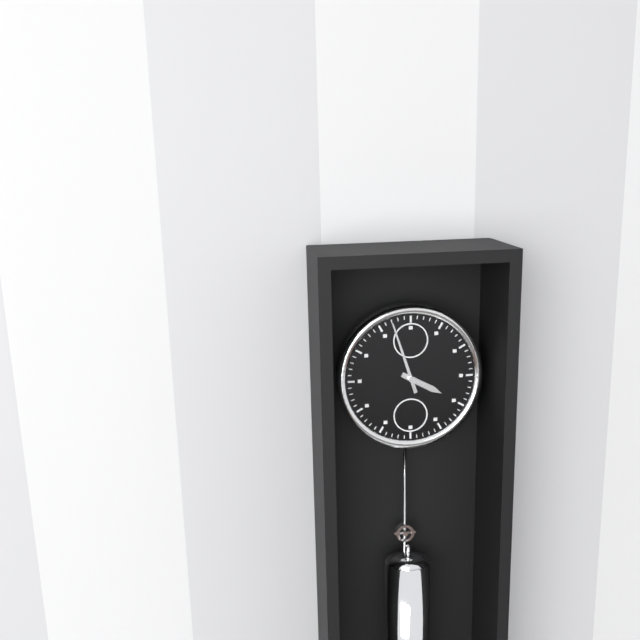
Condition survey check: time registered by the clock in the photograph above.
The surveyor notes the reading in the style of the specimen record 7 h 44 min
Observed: 3 h 57 min
